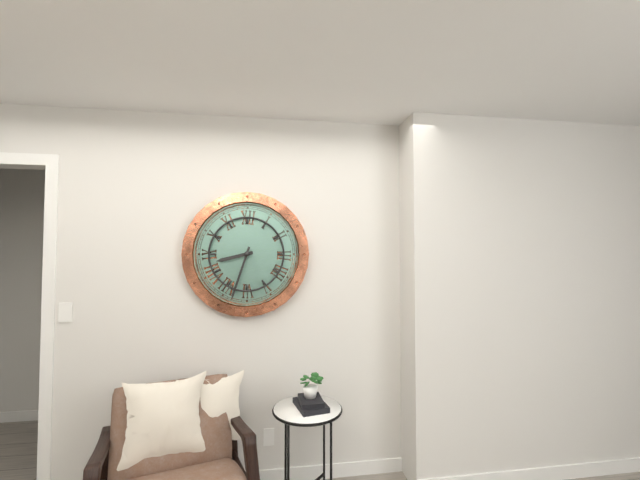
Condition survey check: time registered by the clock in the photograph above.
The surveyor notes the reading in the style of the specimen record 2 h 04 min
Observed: 8 h 33 min
